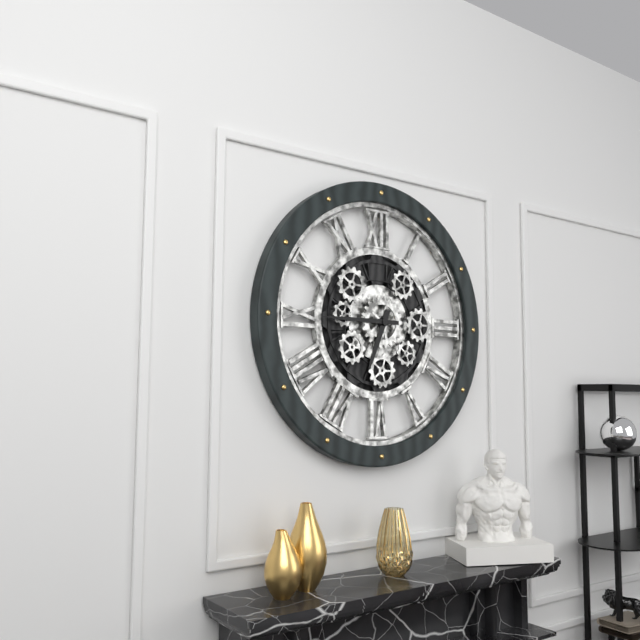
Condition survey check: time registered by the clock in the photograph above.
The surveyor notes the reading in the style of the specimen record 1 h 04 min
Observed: 6 h 45 min
